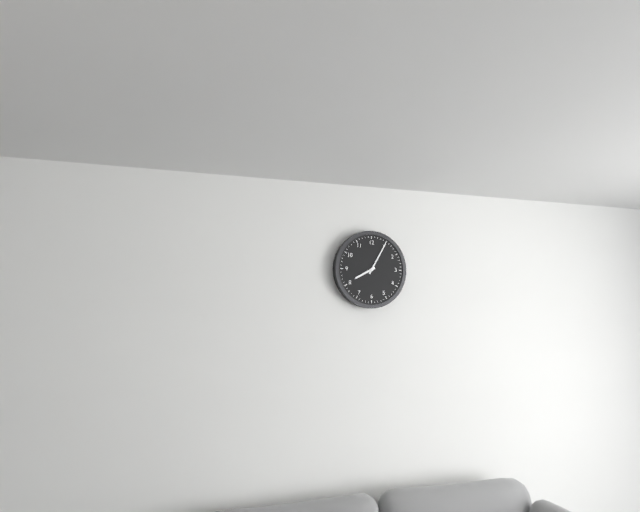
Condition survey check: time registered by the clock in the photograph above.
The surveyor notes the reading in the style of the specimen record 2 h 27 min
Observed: 8 h 05 min
